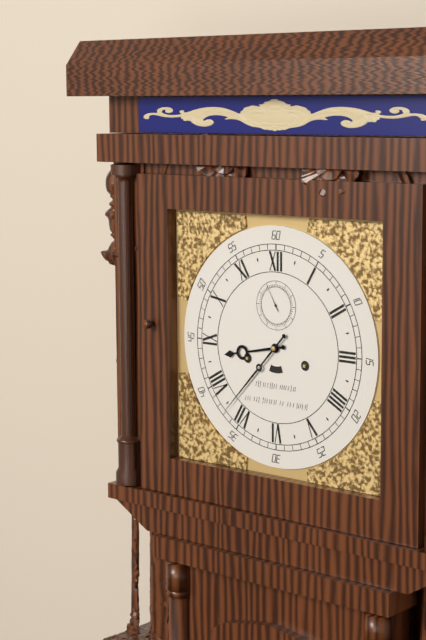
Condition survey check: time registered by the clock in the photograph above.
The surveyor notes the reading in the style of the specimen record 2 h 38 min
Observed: 8 h 37 min
